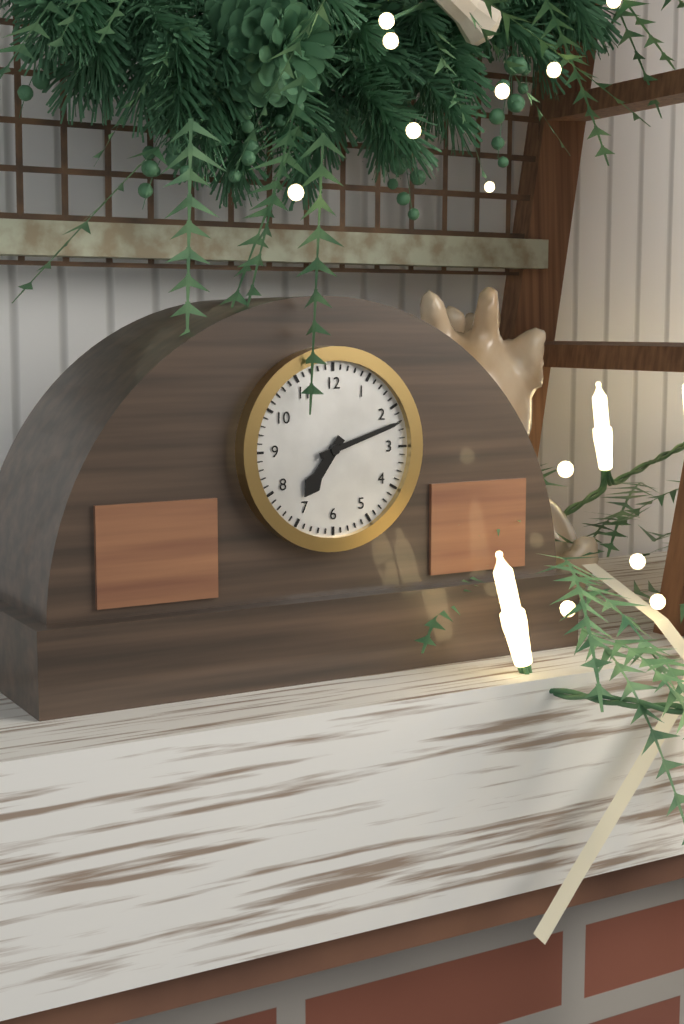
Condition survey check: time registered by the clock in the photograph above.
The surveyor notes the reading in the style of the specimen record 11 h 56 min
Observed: 7 h 12 min
